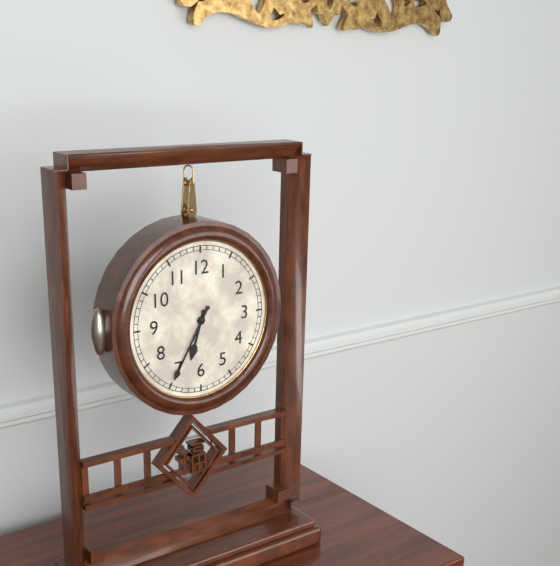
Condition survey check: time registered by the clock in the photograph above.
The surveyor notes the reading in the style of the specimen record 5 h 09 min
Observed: 6 h 35 min
